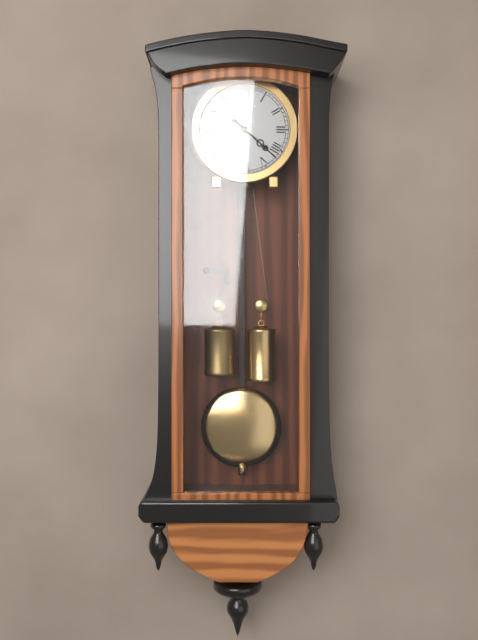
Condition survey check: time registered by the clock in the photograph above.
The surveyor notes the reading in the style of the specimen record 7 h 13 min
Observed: 4 h 22 min
